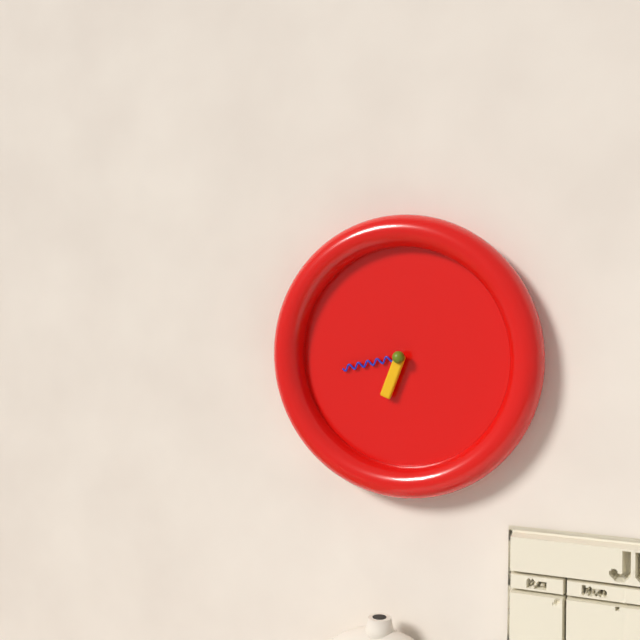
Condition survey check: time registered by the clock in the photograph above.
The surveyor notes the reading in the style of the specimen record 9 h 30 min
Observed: 6 h 43 min
